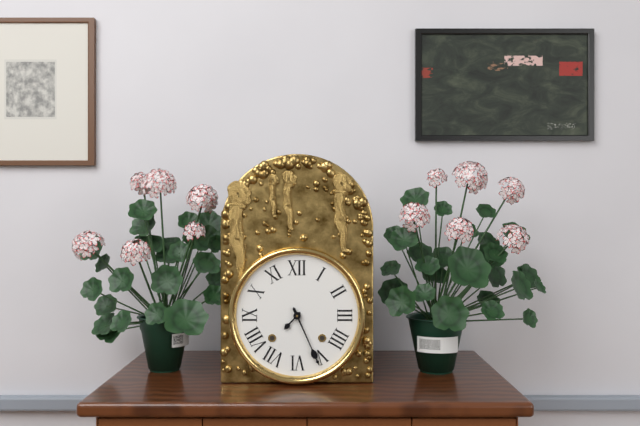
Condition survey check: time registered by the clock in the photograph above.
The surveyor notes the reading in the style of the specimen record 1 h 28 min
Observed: 7 h 26 min
